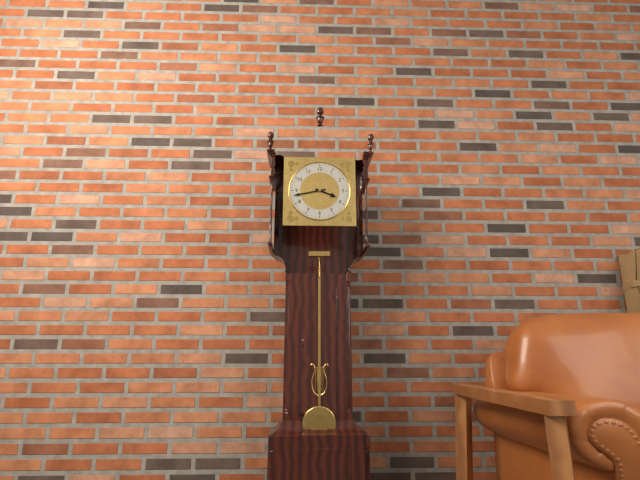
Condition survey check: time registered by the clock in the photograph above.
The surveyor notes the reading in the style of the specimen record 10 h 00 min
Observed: 3 h 43 min
